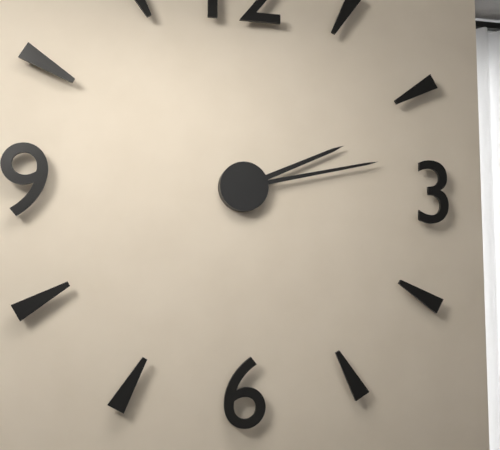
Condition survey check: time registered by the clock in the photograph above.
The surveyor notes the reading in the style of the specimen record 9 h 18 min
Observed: 2 h 13 min
